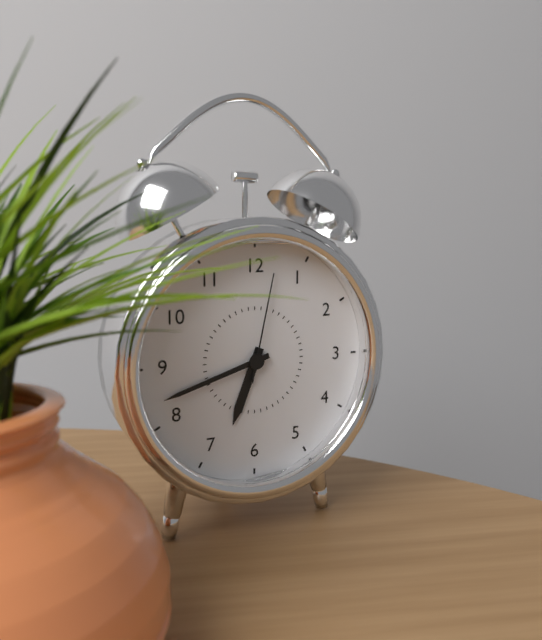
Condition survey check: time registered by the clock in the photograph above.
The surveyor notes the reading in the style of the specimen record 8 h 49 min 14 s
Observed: 6 h 42 min 02 s
